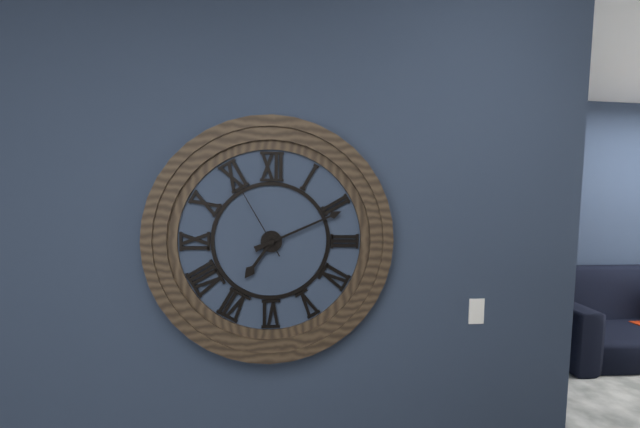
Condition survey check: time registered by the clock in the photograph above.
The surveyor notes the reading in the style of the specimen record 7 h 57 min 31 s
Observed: 7 h 11 min 55 s
